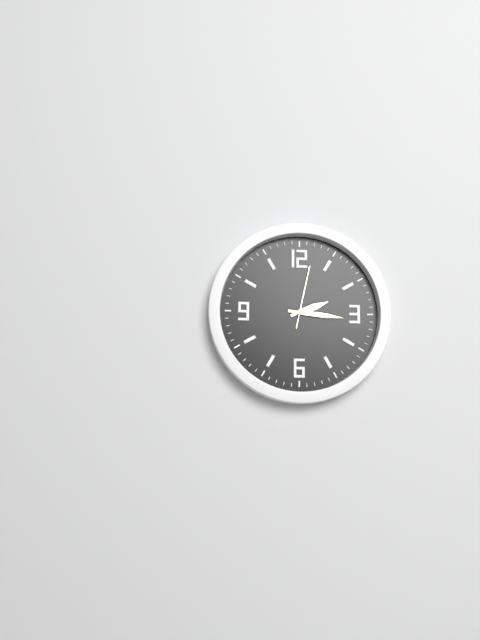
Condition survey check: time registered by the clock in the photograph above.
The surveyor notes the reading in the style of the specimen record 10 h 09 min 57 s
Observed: 2 h 16 min 02 s
